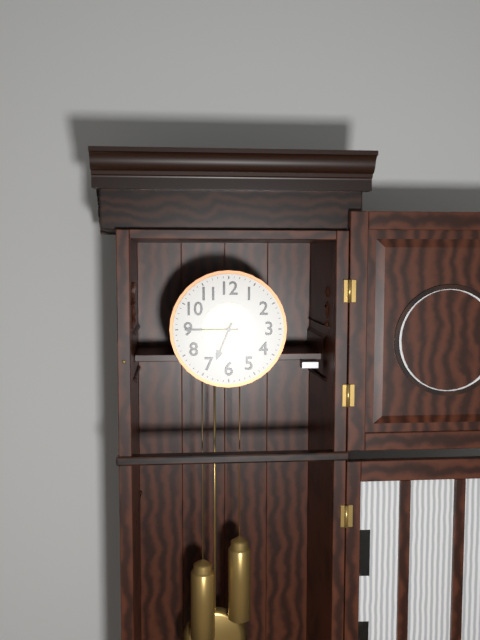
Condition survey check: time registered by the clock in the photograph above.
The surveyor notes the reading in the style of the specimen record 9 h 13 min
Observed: 6 h 45 min
